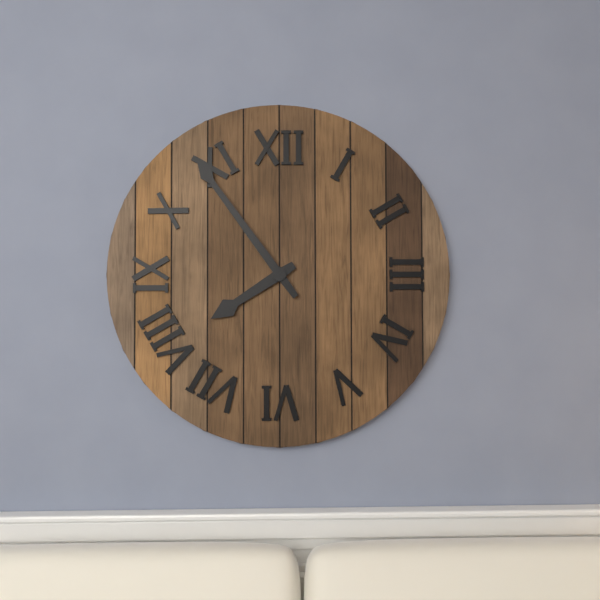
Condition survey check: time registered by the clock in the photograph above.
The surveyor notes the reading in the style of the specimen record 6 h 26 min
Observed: 7 h 54 min
